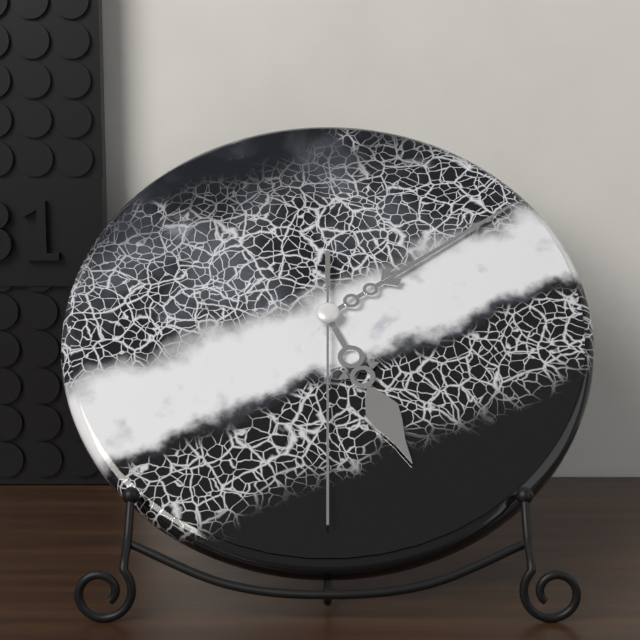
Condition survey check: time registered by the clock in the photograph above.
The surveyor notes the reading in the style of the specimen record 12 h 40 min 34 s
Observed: 5 h 09 min 30 s
